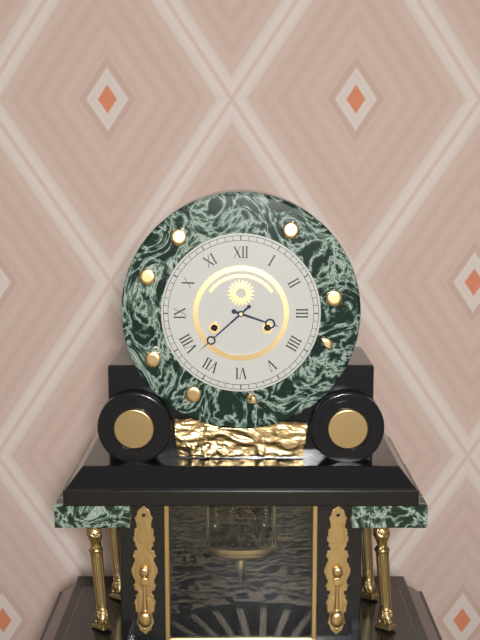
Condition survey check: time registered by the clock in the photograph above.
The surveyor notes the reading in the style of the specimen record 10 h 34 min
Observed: 3 h 38 min
